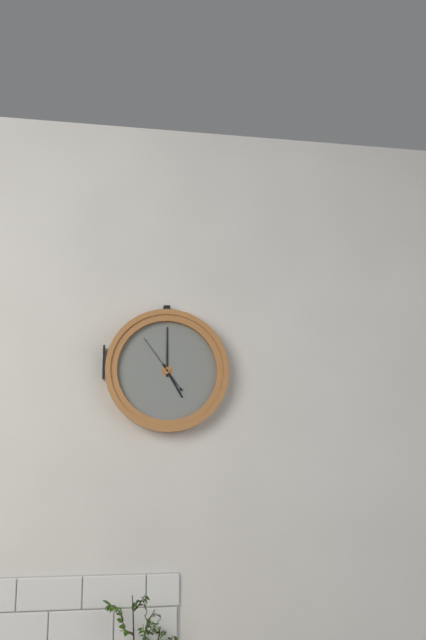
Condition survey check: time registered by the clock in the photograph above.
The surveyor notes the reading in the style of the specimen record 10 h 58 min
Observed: 5 h 00 min
